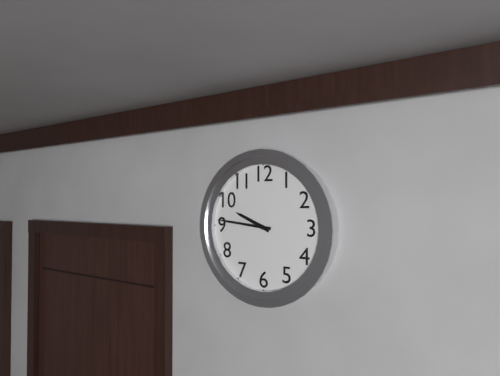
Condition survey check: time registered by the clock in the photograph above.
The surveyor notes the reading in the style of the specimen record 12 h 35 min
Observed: 9 h 46 min
